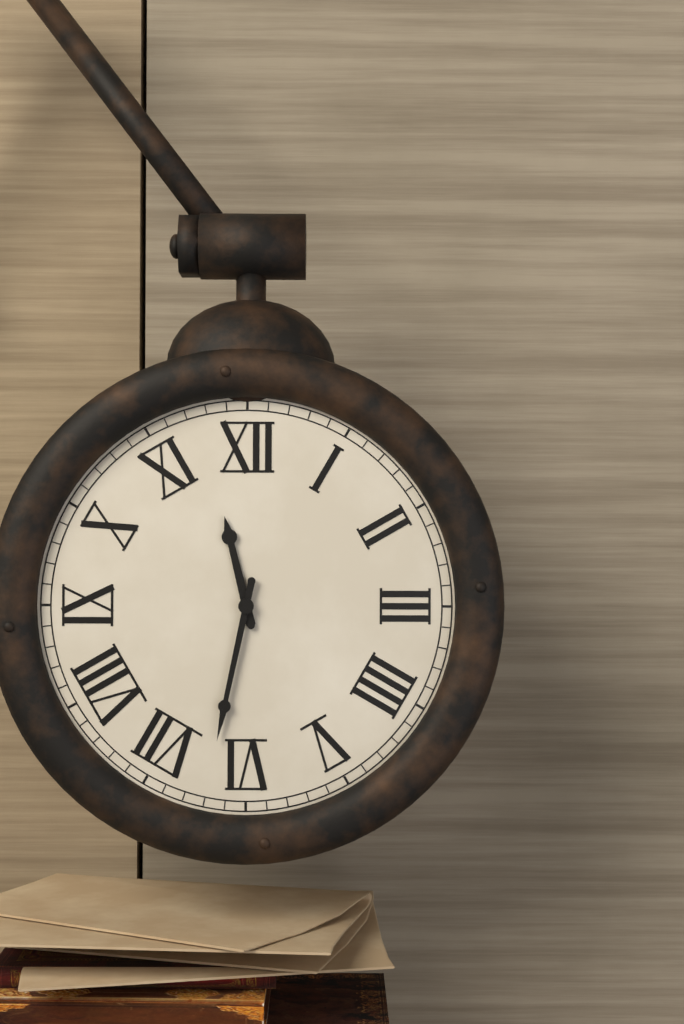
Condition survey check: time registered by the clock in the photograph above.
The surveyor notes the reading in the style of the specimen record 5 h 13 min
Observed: 11 h 32 min
